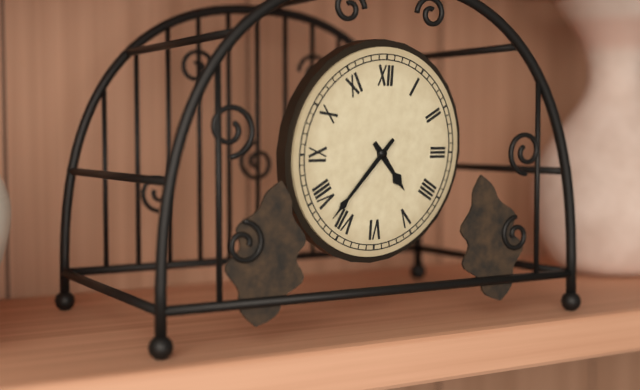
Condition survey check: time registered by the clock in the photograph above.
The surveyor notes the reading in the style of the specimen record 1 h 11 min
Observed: 4 h 37 min
